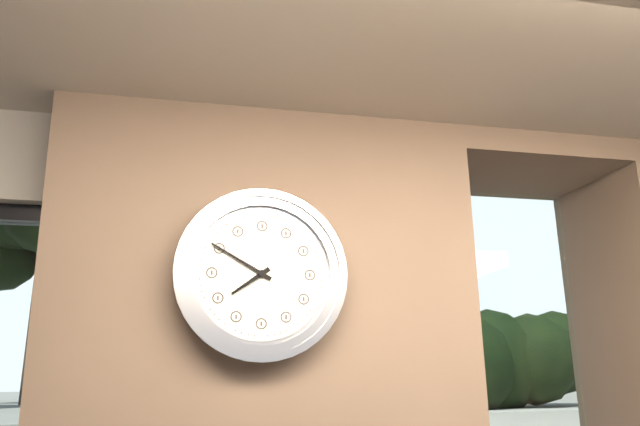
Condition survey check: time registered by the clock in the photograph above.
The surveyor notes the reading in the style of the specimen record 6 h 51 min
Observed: 7 h 50 min
